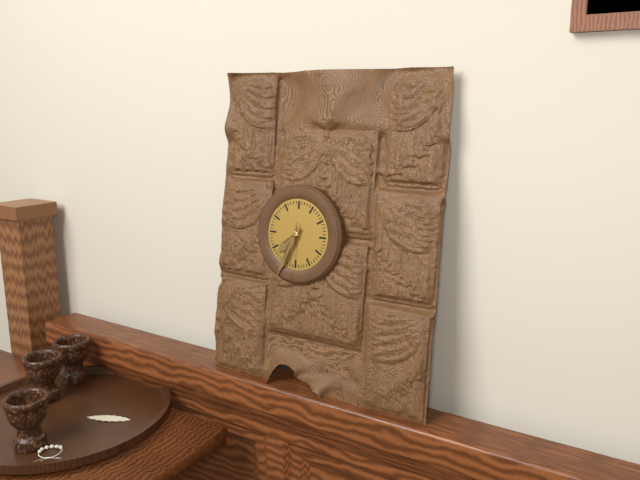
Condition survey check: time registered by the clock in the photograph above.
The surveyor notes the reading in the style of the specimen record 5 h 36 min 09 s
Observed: 7 h 34 min 31 s
